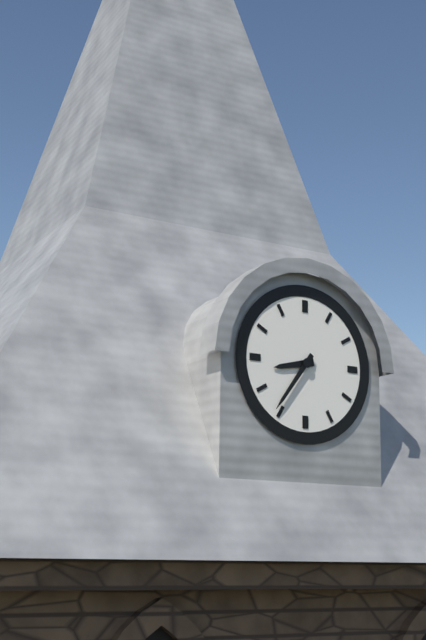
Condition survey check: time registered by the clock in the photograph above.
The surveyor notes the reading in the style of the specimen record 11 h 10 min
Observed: 8 h 36 min
